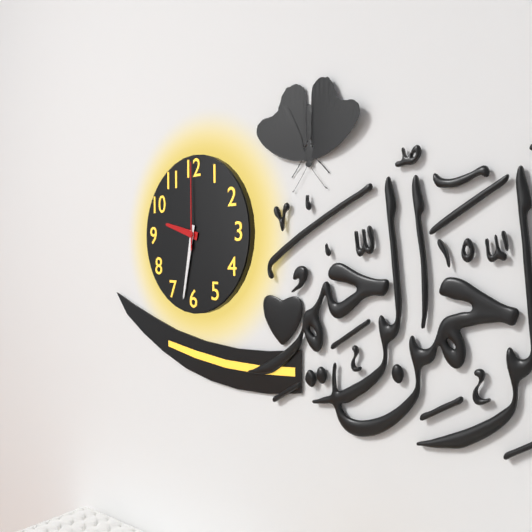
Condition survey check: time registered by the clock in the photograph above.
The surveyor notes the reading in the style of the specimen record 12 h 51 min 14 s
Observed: 9 h 32 min 00 s
